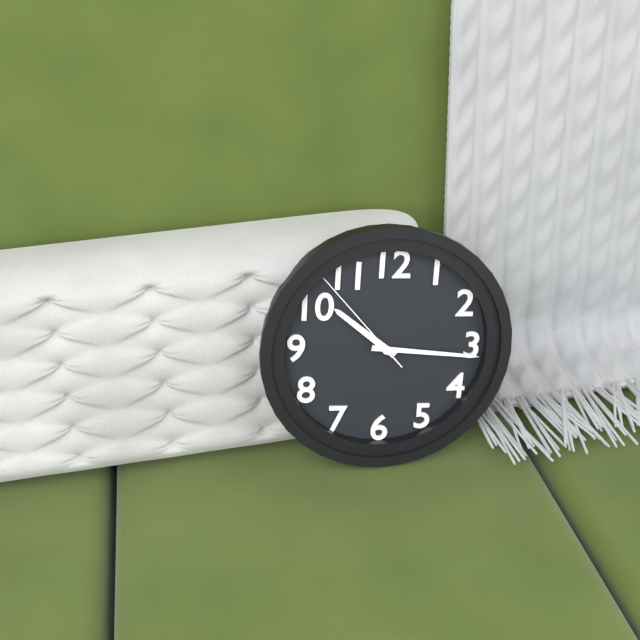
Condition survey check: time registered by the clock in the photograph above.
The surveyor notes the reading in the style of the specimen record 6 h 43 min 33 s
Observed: 10 h 16 min 53 s
